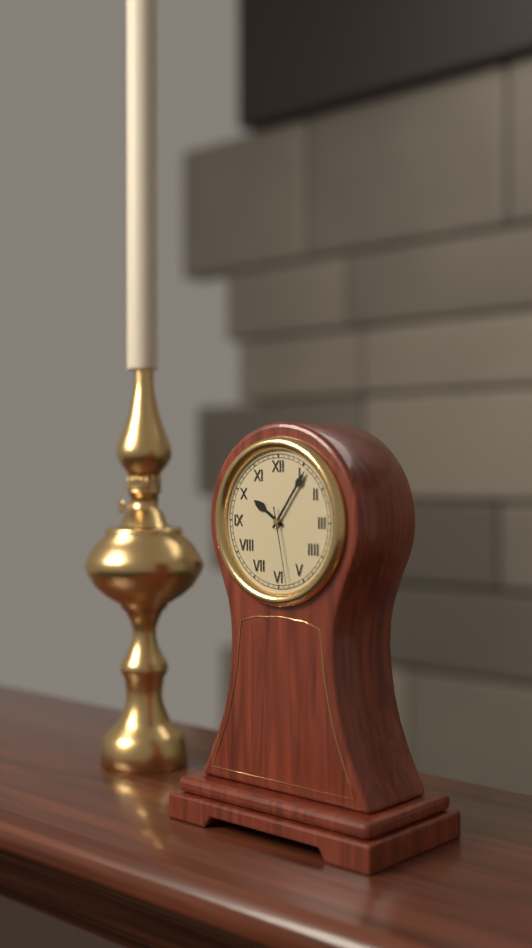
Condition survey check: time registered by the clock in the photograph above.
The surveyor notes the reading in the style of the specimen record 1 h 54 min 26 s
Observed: 10 h 06 min 28 s
